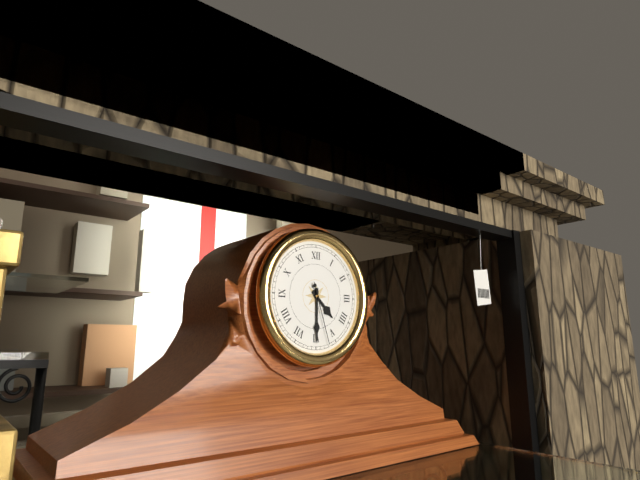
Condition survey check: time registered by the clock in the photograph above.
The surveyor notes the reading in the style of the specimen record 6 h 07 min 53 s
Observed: 4 h 30 min 27 s
